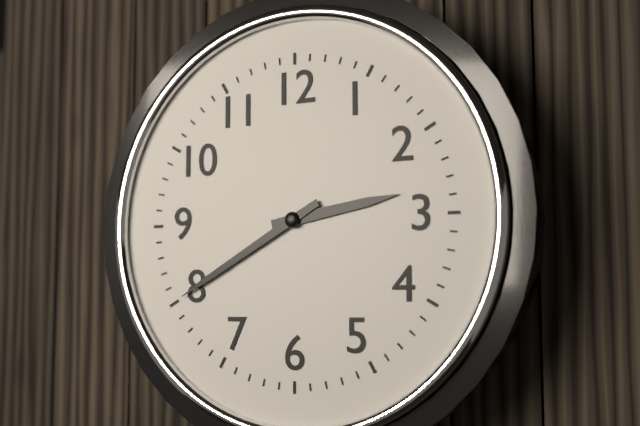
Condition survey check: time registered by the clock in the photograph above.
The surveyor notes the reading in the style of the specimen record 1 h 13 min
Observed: 2 h 40 min
